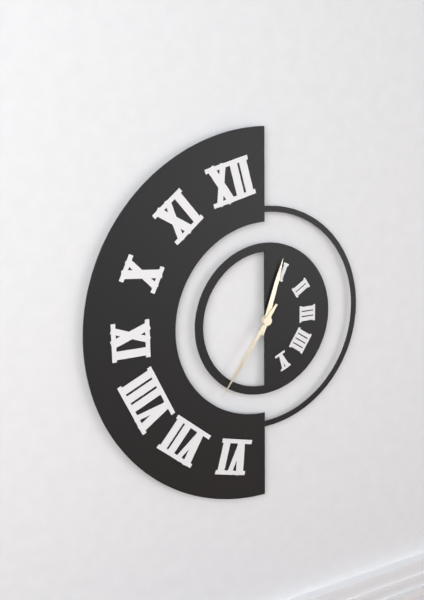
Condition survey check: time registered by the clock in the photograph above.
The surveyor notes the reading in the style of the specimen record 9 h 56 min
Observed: 12 h 36 min
